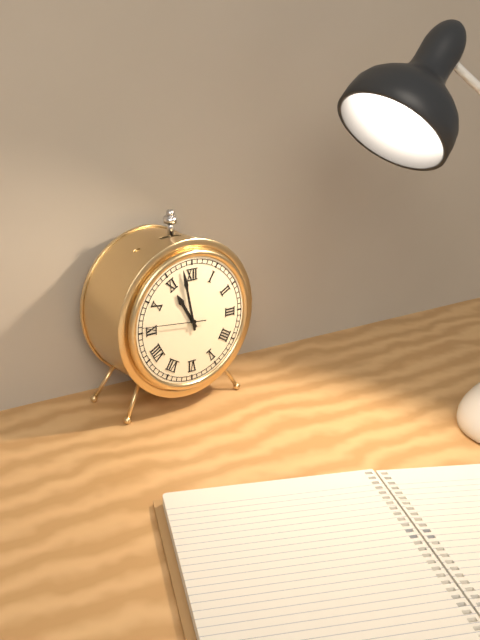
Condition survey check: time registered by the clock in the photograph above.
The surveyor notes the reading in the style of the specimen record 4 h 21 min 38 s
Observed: 10 h 58 min 46 s
